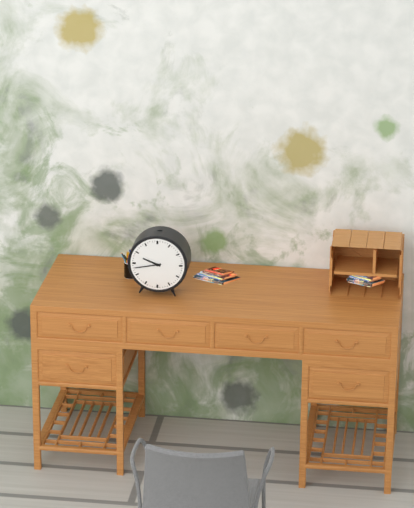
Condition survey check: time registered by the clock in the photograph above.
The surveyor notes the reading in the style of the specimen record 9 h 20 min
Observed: 9 h 43 min
